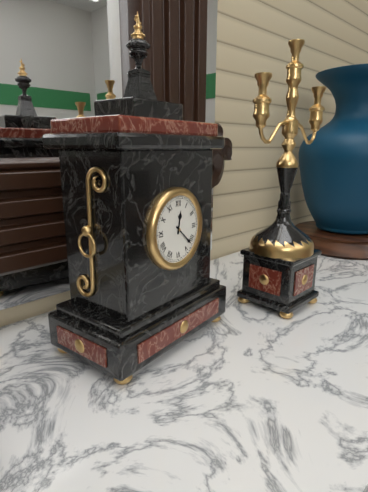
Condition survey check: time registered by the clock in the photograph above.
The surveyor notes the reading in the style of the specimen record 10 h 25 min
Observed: 12 h 22 min
